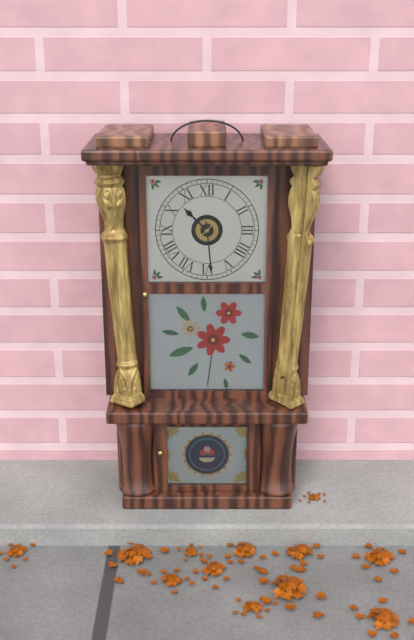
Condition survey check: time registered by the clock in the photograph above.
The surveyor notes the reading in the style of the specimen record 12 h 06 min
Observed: 10 h 29 min
